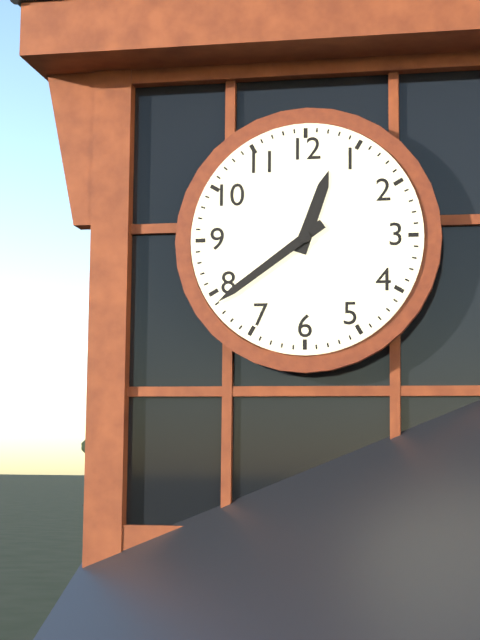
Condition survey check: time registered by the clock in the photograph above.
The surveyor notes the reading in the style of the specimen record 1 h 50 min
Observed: 12 h 39 min
